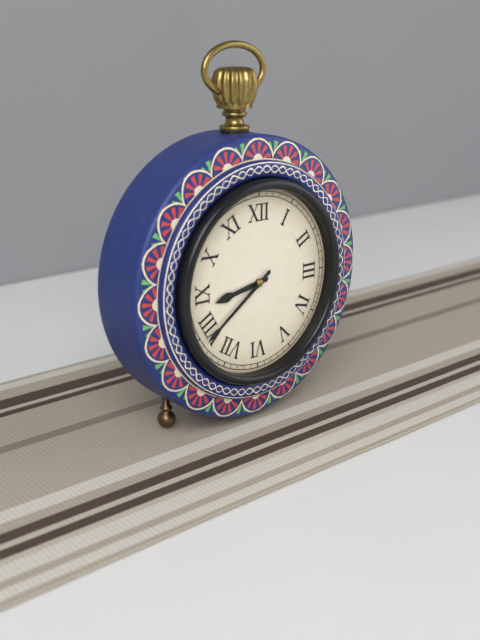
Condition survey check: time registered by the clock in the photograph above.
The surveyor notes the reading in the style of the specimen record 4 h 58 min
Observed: 8 h 39 min
